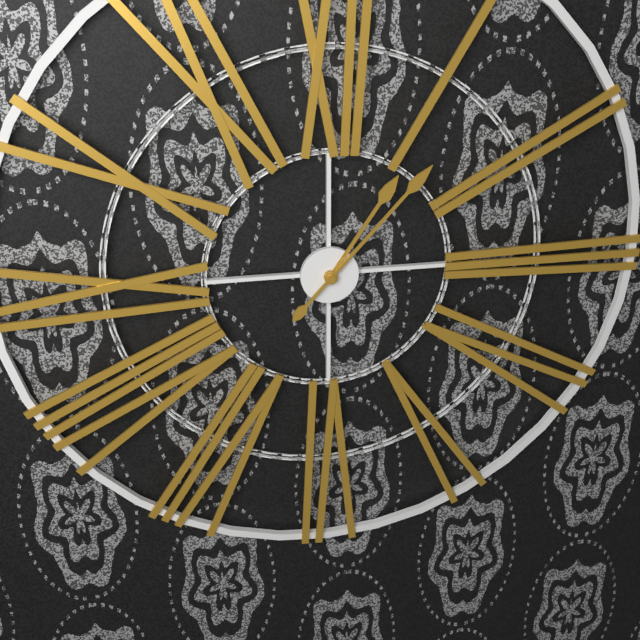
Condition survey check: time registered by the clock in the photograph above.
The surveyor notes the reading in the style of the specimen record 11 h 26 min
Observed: 1 h 07 min
